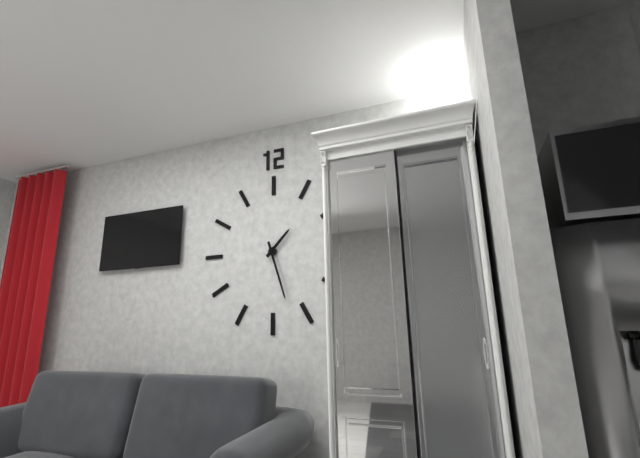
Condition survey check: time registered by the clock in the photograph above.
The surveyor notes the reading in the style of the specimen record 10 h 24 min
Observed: 1 h 27 min
